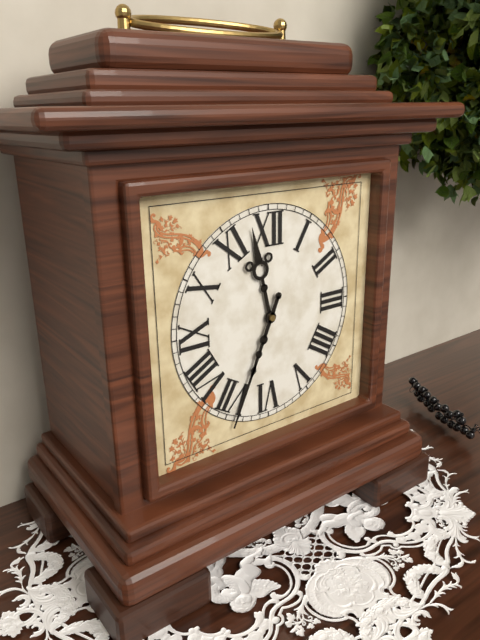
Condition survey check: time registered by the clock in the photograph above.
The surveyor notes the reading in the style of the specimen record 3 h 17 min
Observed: 11 h 34 min
